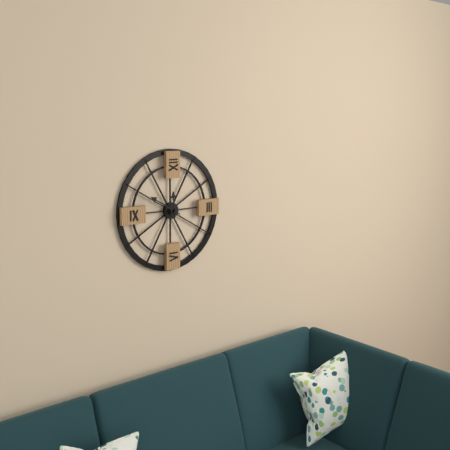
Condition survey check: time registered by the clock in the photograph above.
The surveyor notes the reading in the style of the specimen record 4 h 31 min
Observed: 11 h 50 min
